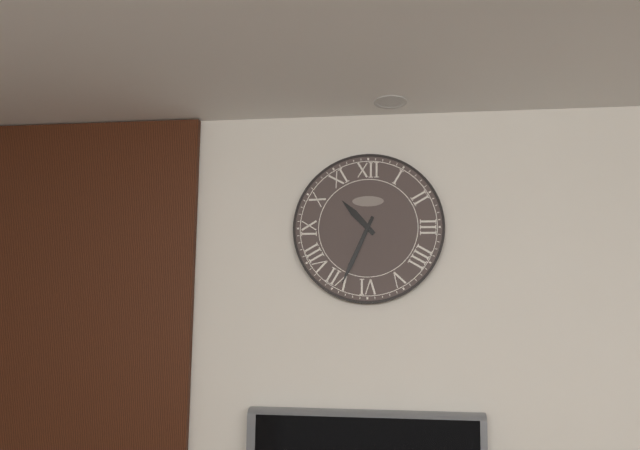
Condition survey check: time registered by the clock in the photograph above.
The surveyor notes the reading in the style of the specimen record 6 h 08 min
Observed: 10 h 34 min
